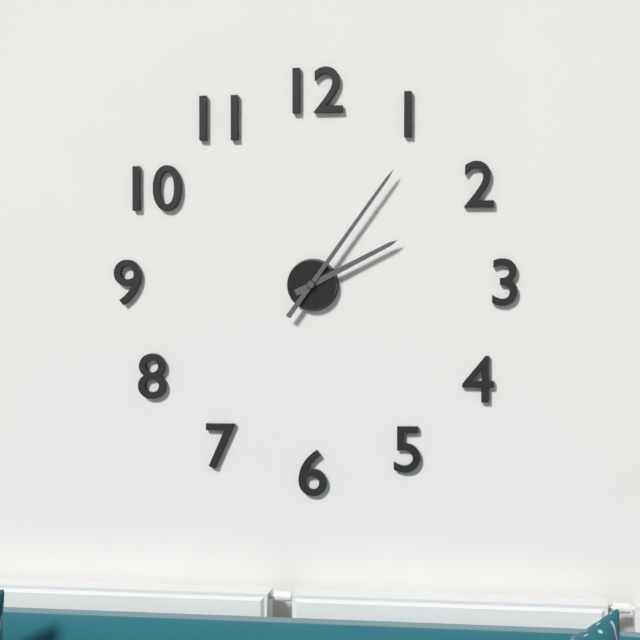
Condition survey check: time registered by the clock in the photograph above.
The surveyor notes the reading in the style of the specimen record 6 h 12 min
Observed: 2 h 06 min
